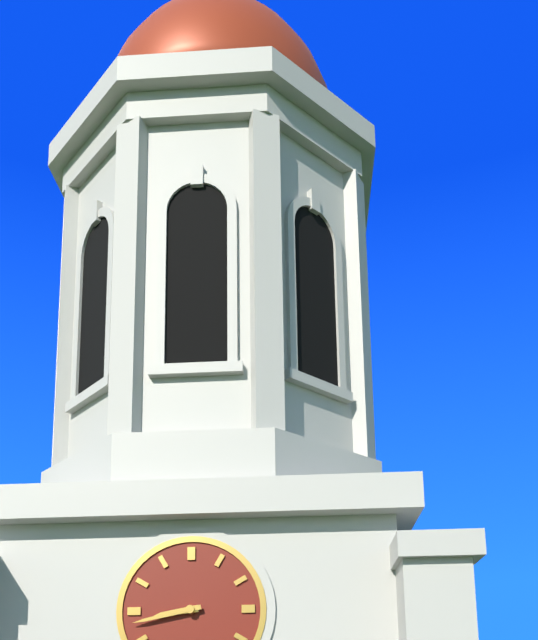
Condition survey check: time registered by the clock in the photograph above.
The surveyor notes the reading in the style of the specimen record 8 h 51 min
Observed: 8 h 43 min
